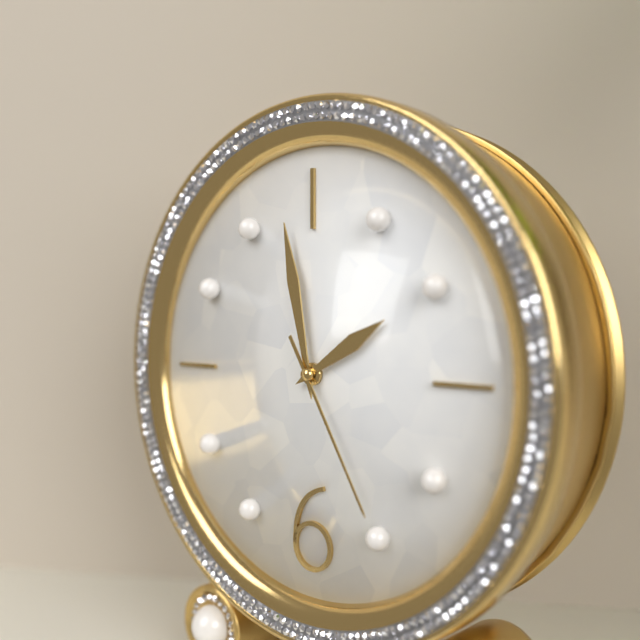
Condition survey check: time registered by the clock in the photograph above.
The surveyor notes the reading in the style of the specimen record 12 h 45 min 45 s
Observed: 1 h 58 min 25 s
